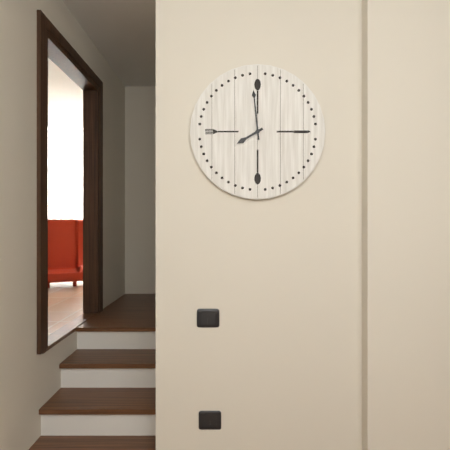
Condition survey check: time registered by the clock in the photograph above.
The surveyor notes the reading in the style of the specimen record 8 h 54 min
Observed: 7 h 59 min
